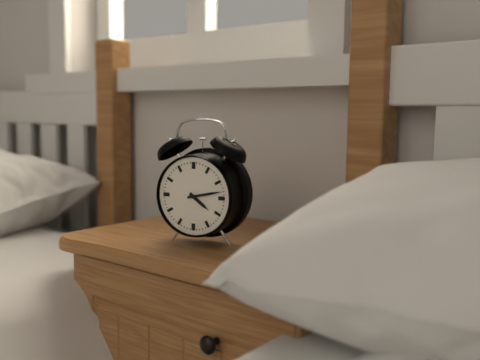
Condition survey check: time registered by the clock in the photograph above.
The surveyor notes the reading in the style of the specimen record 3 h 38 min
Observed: 4 h 13 min
